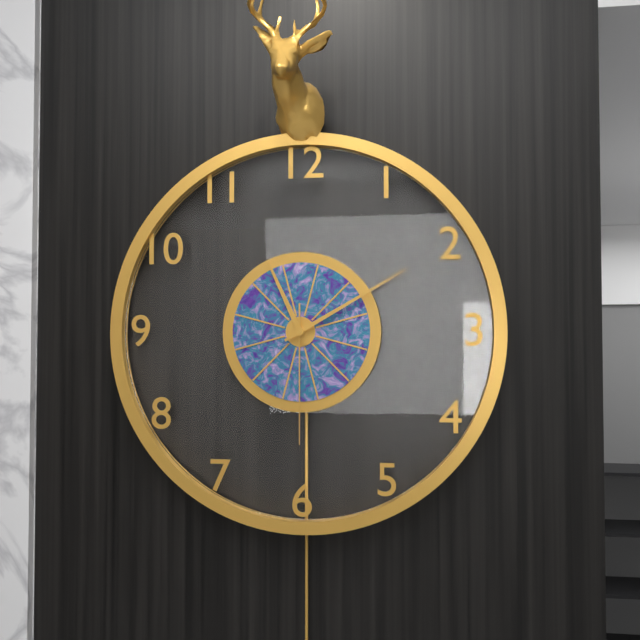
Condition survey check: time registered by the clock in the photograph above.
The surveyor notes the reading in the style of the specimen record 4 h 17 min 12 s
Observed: 11 h 10 min 30 s
